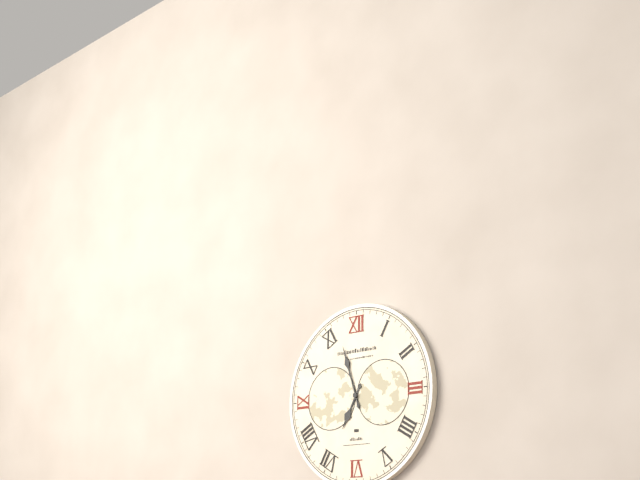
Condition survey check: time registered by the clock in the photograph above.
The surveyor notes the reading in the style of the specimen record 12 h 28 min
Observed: 6 h 57 min
